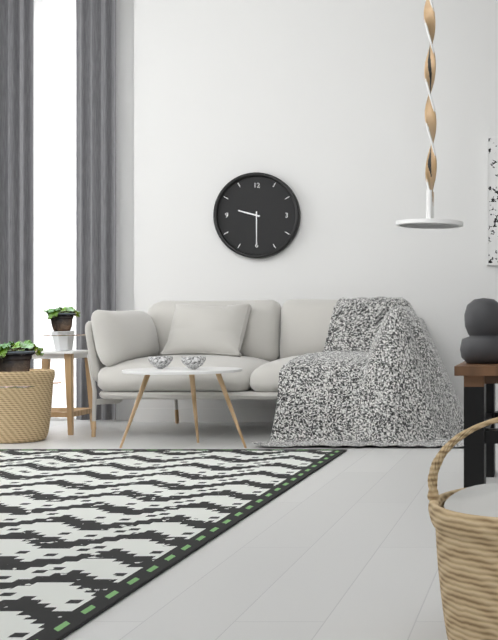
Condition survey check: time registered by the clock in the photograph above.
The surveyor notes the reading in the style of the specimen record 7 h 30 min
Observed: 9 h 30 min
